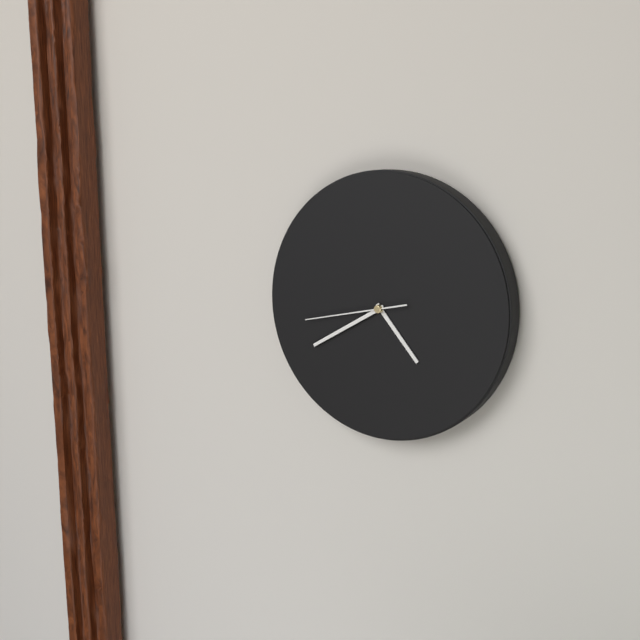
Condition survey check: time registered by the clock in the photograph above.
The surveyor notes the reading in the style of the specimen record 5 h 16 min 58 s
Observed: 4 h 40 min 43 s
